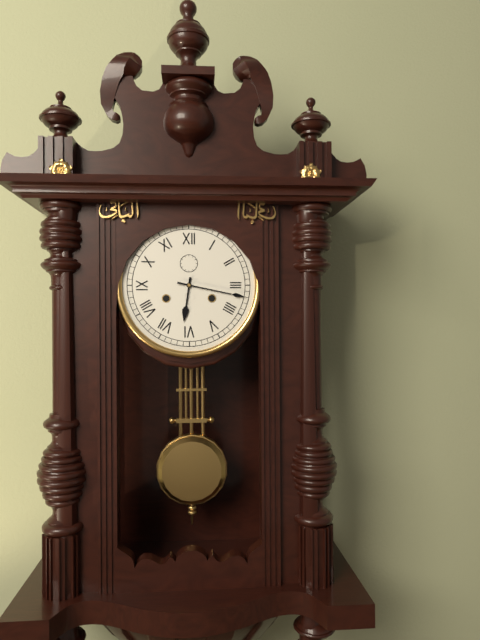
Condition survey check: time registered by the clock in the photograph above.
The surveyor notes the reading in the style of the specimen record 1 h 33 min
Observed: 6 h 17 min
